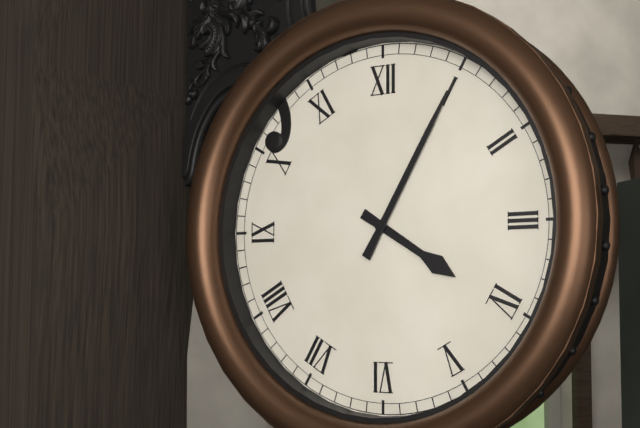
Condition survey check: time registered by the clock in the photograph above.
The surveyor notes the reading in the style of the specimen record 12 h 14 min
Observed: 4 h 05 min
